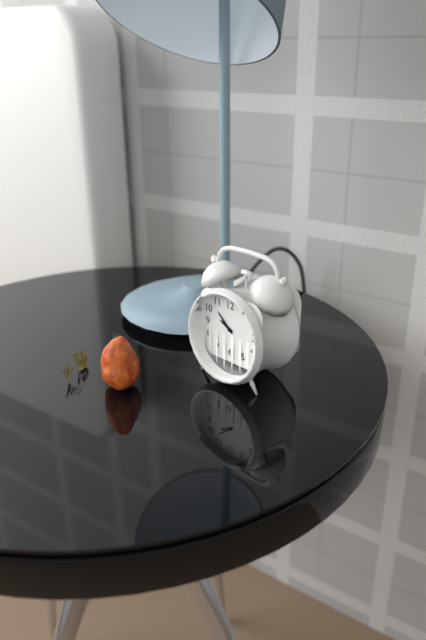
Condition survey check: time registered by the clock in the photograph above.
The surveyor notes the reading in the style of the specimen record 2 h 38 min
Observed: 9 h 52 min
